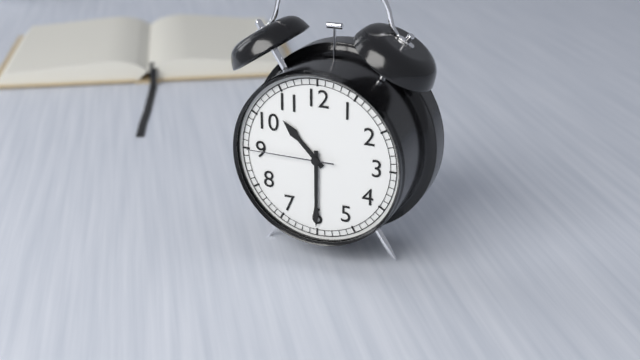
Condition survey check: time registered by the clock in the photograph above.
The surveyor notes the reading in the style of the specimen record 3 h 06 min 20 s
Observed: 10 h 30 min 45 s
